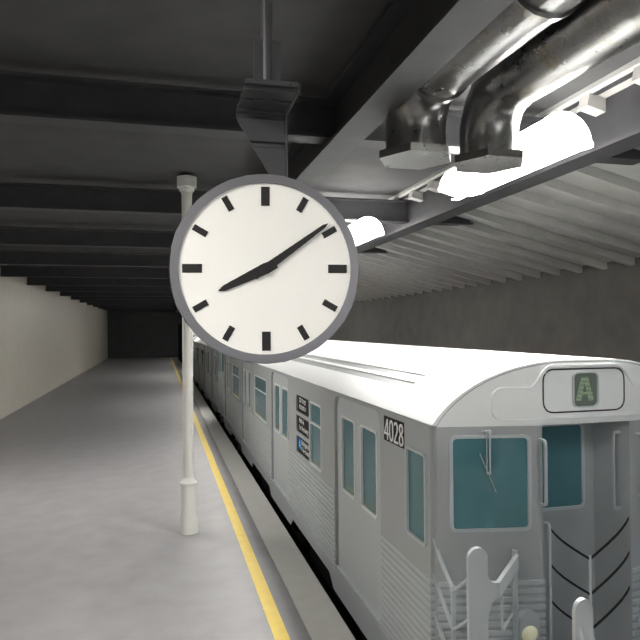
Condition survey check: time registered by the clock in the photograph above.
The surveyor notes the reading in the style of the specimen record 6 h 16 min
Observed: 8 h 09 min
